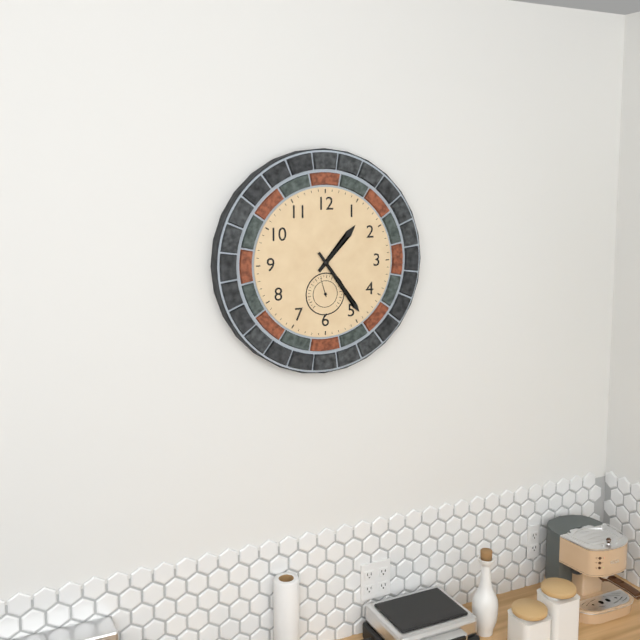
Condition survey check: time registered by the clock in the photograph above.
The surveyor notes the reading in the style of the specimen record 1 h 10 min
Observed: 1 h 24 min
